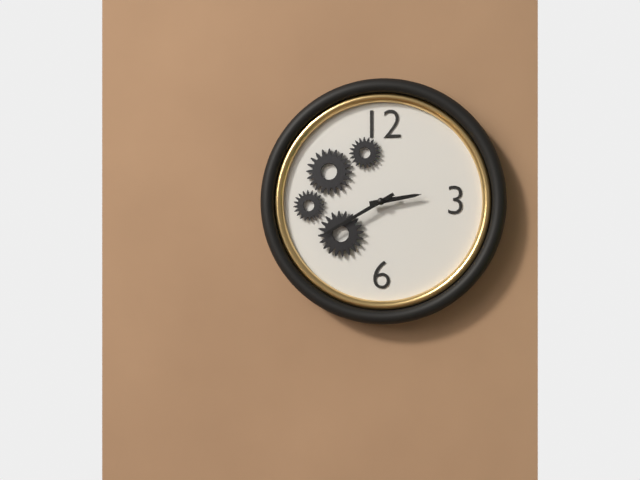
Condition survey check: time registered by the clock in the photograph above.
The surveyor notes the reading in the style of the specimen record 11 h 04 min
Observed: 2 h 40 min
